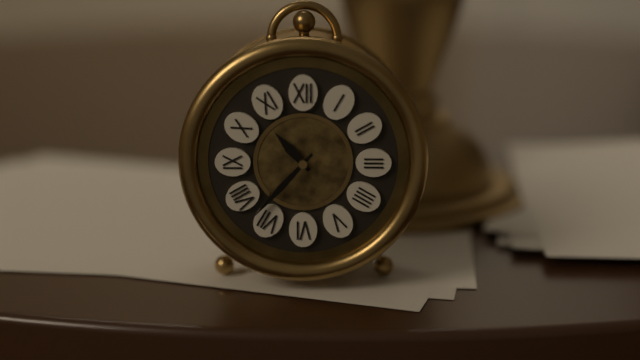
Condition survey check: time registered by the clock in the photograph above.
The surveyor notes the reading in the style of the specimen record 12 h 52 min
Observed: 10 h 37 min
